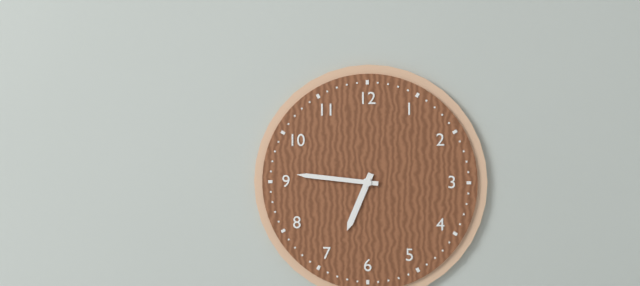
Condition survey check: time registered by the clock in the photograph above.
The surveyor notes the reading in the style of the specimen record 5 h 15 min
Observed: 6 h 46 min
